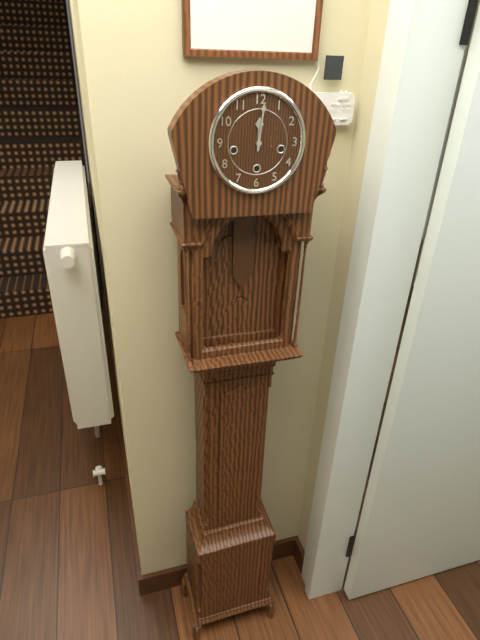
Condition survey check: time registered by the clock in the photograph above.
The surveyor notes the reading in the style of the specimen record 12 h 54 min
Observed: 12 h 01 min
